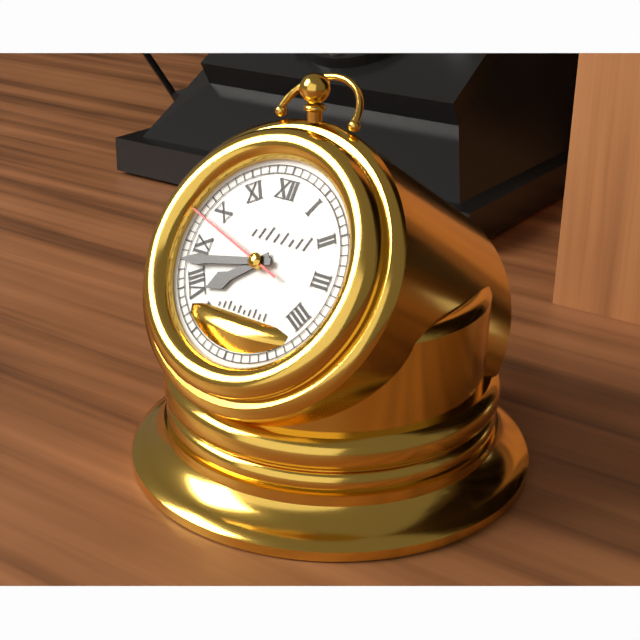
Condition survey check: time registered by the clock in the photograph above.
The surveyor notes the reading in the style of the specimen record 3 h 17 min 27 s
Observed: 7 h 43 min 48 s
